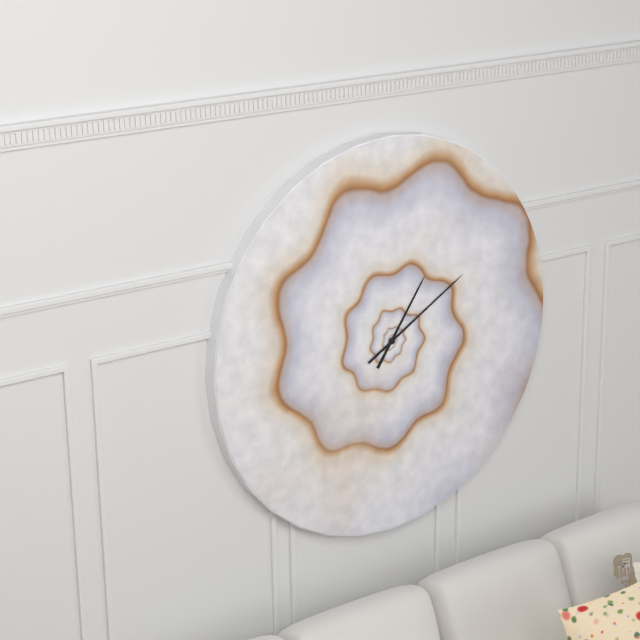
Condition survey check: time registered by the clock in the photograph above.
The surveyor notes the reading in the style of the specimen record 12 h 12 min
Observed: 1 h 10 min
